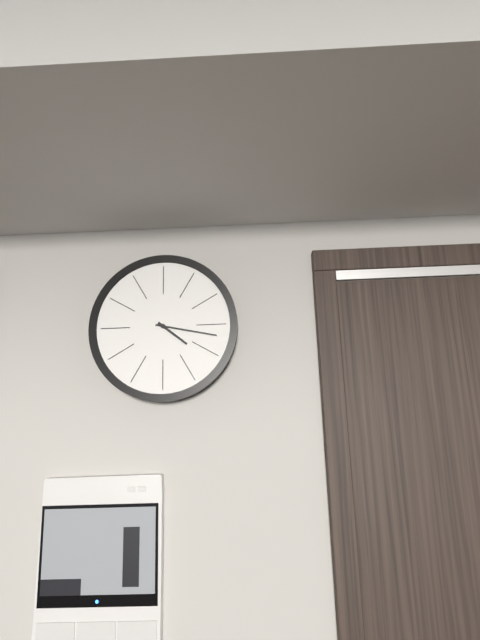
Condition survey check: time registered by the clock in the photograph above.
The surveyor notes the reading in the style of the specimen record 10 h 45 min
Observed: 4 h 17 min
